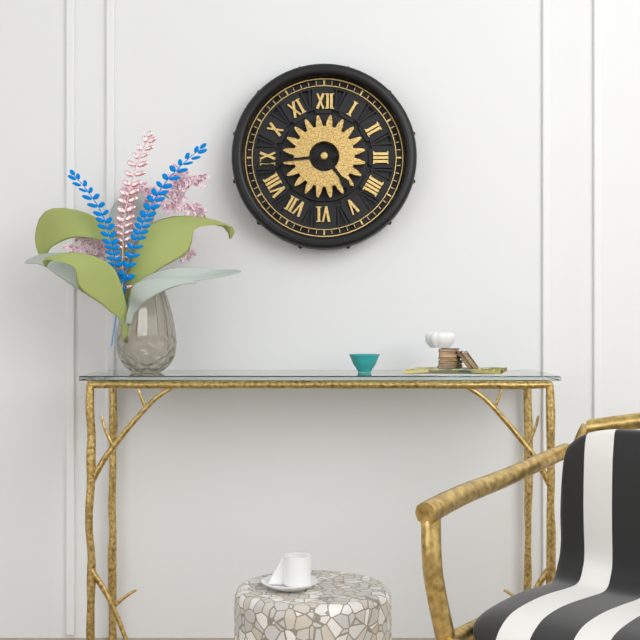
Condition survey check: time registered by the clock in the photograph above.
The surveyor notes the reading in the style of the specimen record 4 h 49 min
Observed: 4 h 44 min
